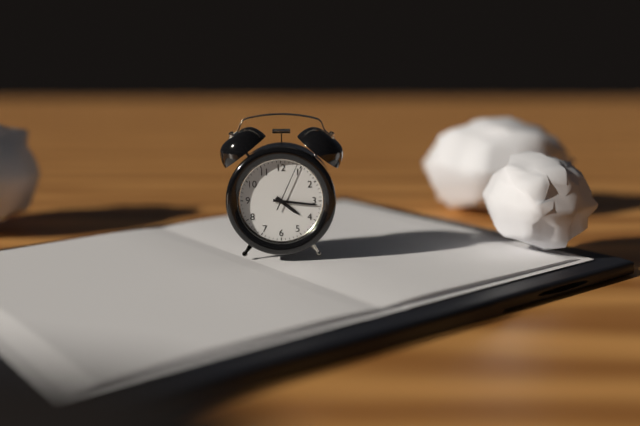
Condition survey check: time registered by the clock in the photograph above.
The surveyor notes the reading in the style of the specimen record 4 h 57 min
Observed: 4 h 16 min
